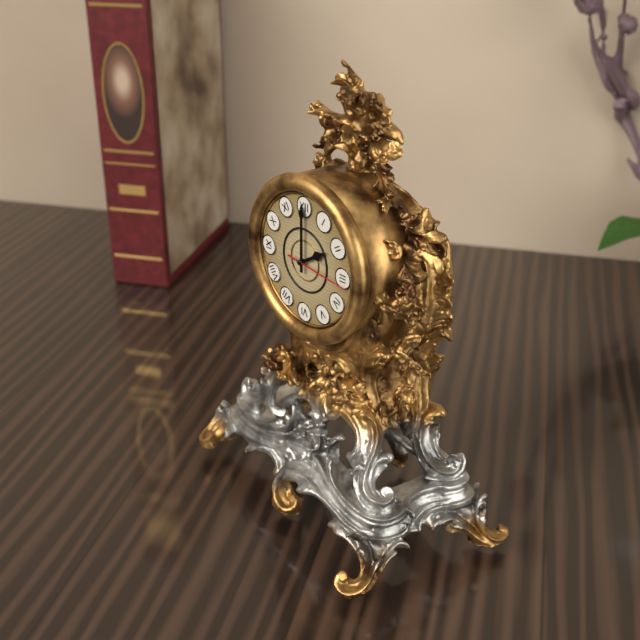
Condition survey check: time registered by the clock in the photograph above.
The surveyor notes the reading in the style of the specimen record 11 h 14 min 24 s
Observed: 2 h 00 min 16 s
